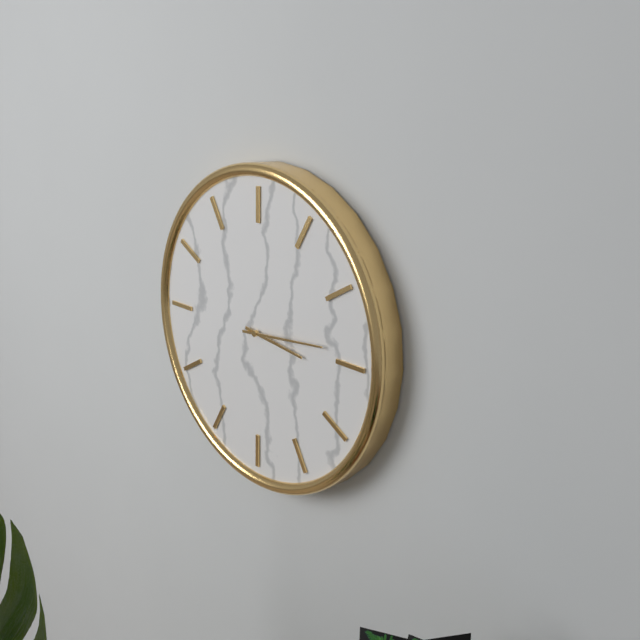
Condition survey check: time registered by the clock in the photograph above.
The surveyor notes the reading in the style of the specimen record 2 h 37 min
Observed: 3 h 14 min
